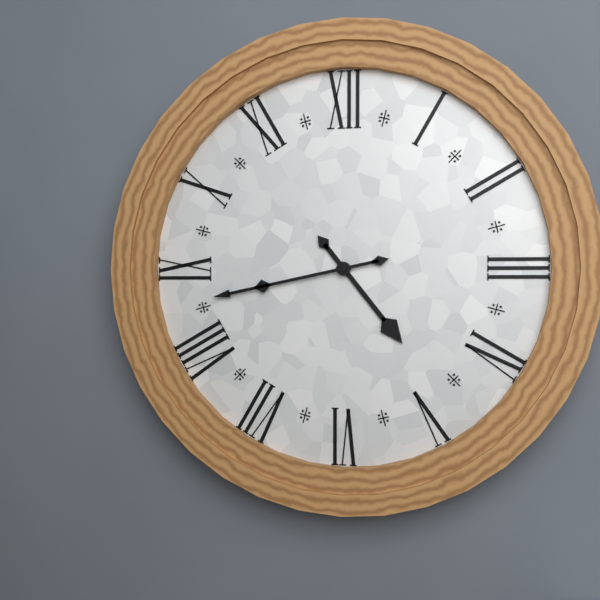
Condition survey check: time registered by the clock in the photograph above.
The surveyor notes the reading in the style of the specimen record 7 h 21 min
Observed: 4 h 43 min
